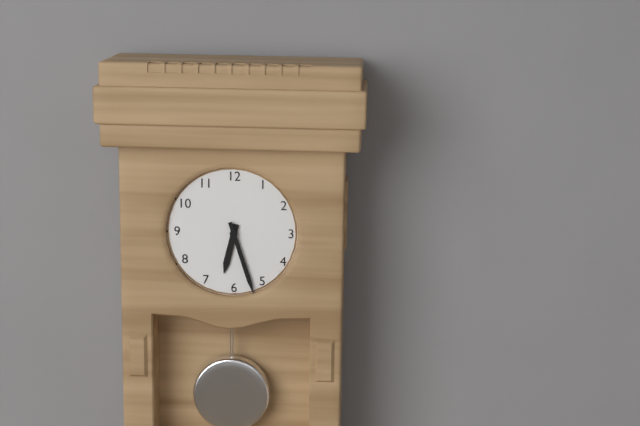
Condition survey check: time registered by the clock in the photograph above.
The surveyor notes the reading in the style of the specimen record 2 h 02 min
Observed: 6 h 27 min
